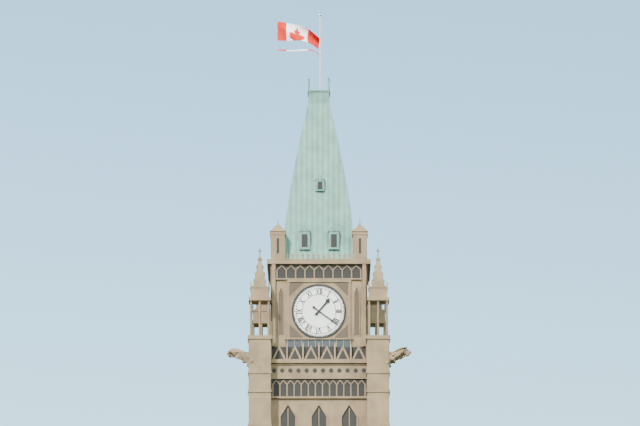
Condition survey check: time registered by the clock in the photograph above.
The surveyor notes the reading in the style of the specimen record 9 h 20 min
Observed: 1 h 21 min
